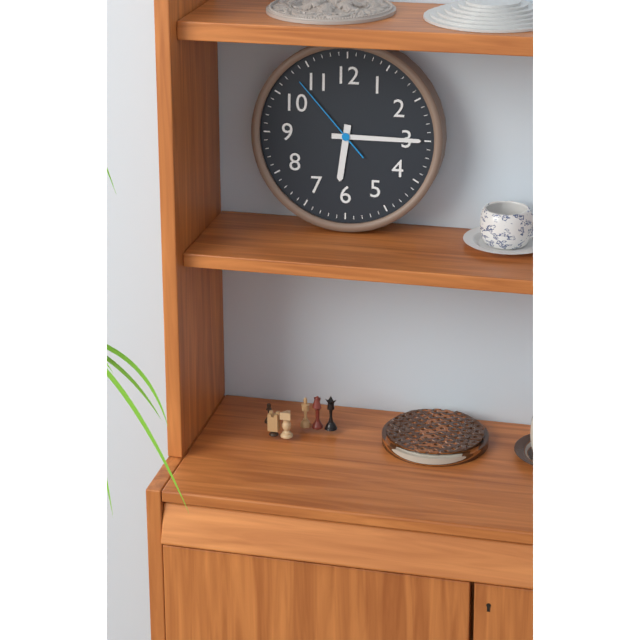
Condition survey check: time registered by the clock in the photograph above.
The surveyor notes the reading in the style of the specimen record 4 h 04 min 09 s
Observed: 6 h 15 min 53 s
